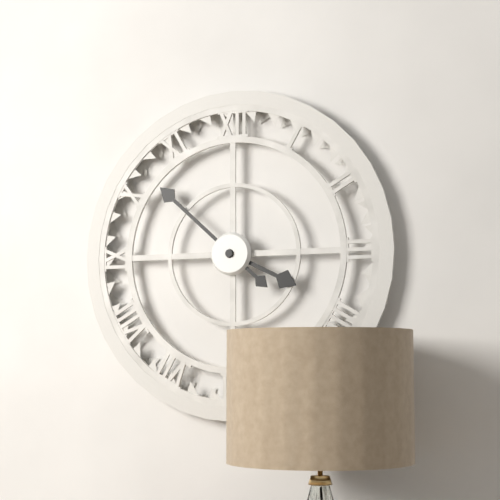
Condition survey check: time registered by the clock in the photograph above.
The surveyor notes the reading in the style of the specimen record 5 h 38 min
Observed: 3 h 52 min
